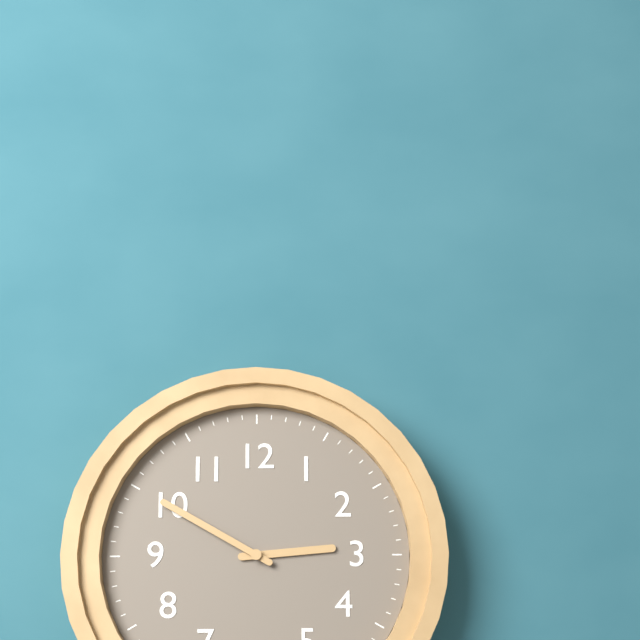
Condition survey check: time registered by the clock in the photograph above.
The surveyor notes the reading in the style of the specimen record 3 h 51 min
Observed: 2 h 50 min
